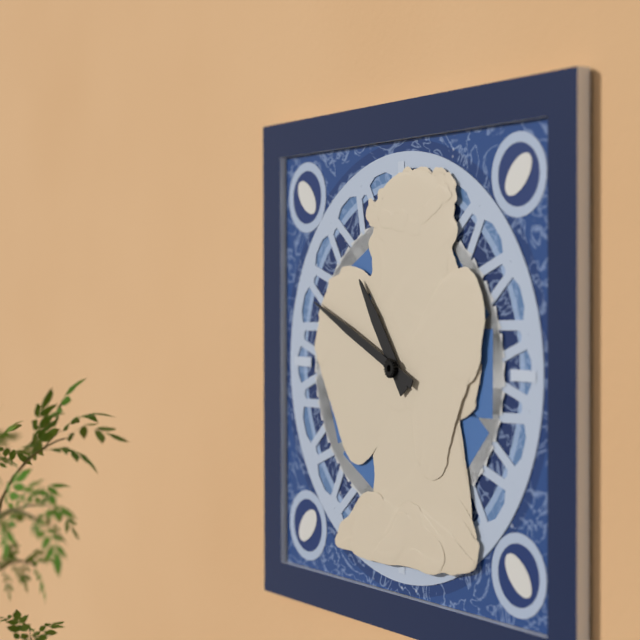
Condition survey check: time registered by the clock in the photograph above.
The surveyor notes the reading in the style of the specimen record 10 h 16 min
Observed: 10 h 49 min
